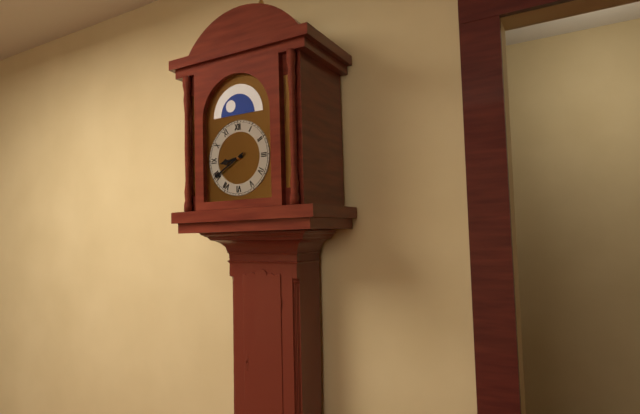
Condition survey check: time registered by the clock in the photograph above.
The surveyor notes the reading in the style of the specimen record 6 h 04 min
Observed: 8 h 40 min
